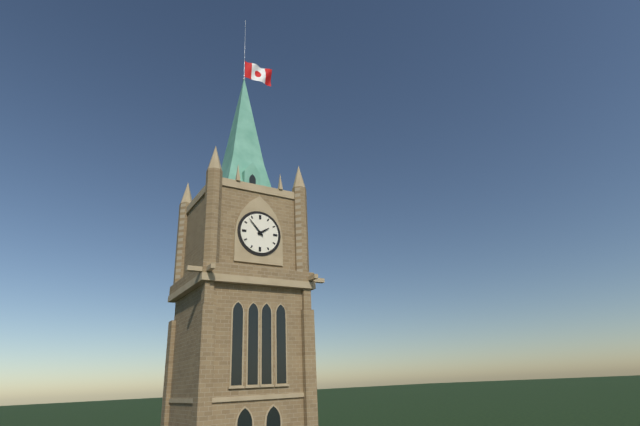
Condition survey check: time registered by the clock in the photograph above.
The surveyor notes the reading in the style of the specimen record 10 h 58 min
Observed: 1 h 53 min
